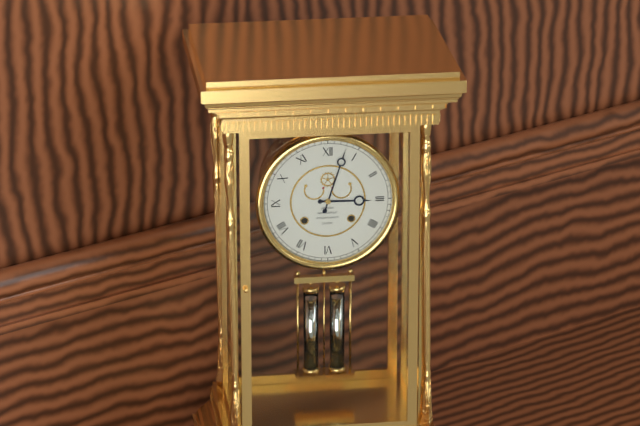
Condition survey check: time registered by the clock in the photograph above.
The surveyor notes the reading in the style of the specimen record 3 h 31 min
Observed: 3 h 03 min
